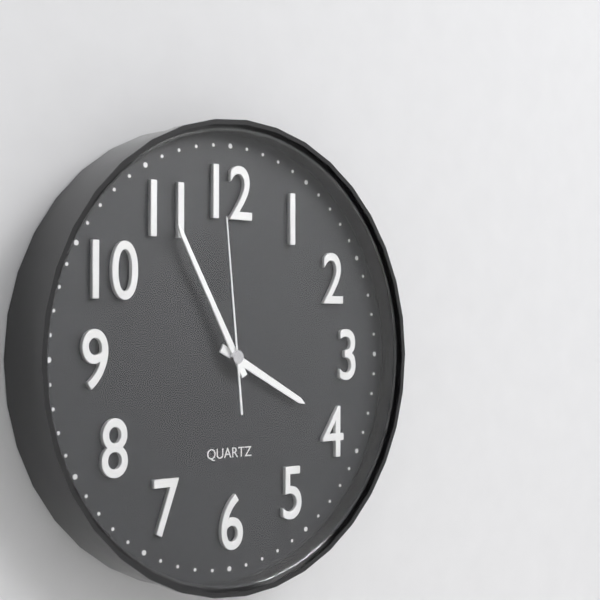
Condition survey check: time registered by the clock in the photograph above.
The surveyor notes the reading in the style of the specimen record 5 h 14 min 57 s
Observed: 3 h 55 min 59 s
